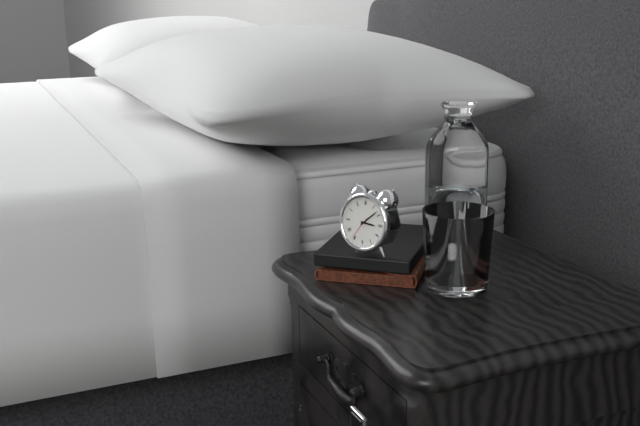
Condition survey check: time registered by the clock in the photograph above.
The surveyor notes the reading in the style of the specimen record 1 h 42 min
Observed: 3 h 08 min
